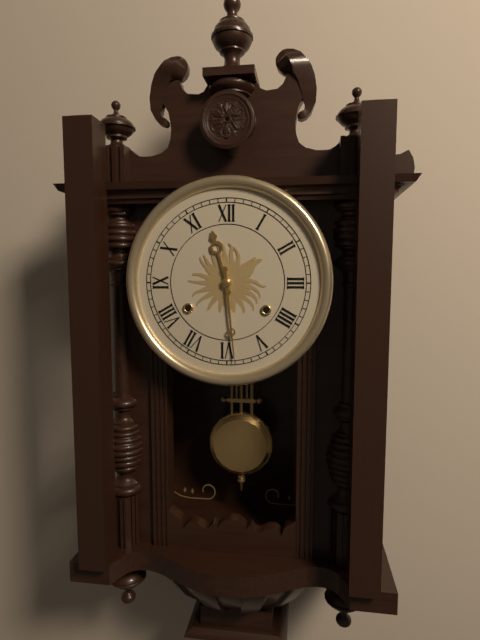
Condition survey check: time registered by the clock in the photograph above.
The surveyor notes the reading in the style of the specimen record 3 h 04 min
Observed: 11 h 29 min
